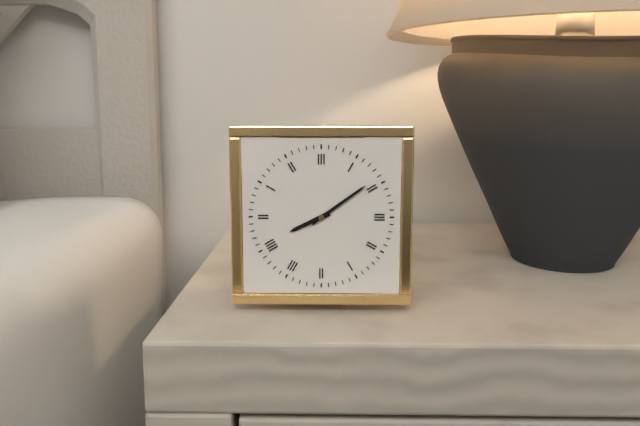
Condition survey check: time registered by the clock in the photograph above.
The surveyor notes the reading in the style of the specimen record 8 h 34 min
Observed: 8 h 09 min
